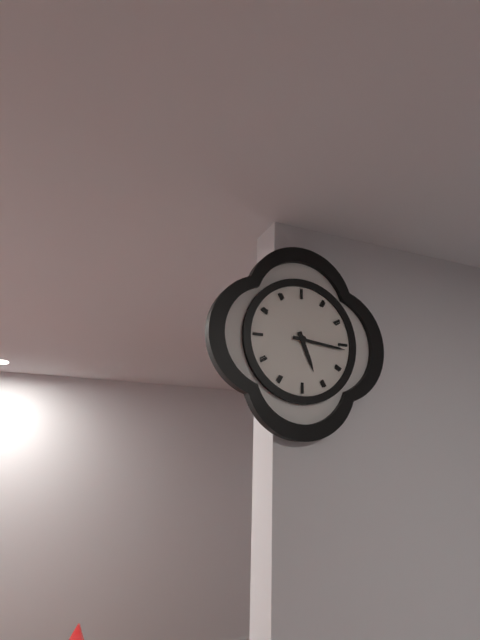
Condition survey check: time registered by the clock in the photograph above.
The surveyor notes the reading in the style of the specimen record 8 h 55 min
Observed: 5 h 16 min
